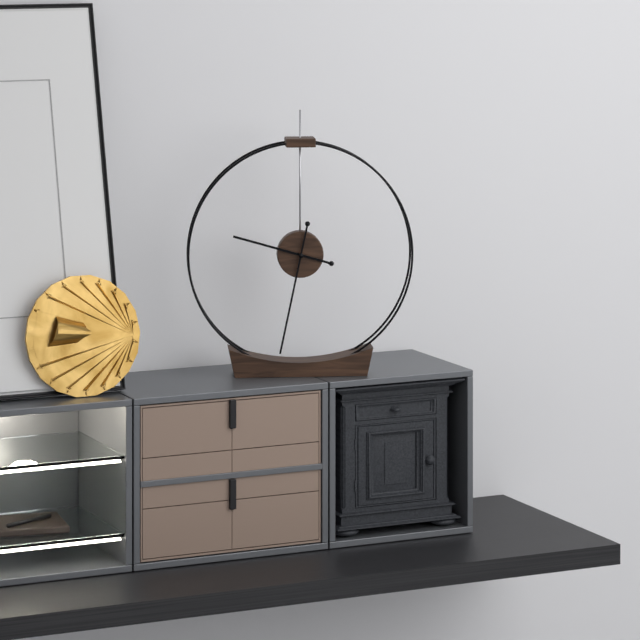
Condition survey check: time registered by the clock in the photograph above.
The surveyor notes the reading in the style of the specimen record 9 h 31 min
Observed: 9 h 32 min
